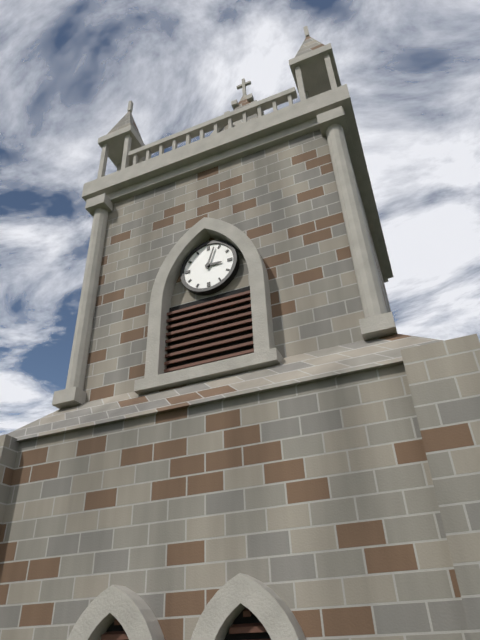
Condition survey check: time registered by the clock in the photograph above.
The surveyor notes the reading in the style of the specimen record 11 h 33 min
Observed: 3 h 03 min
